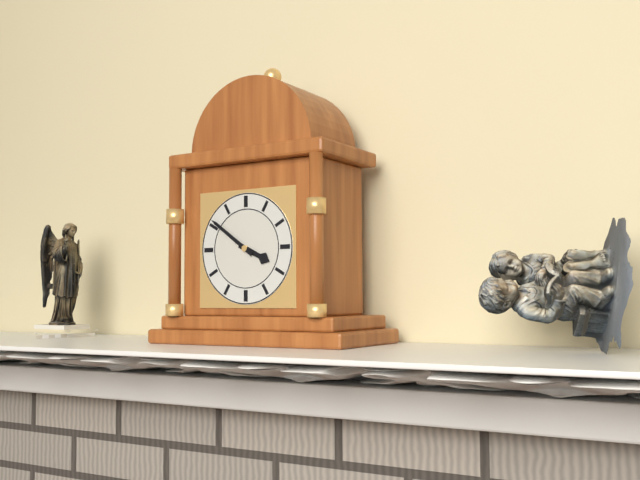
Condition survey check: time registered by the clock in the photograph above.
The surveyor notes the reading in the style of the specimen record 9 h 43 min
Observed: 3 h 51 min
